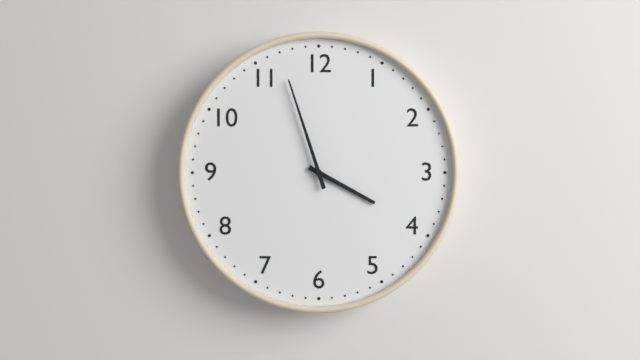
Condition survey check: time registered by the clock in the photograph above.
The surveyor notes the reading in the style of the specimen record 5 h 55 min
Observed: 3 h 57 min
